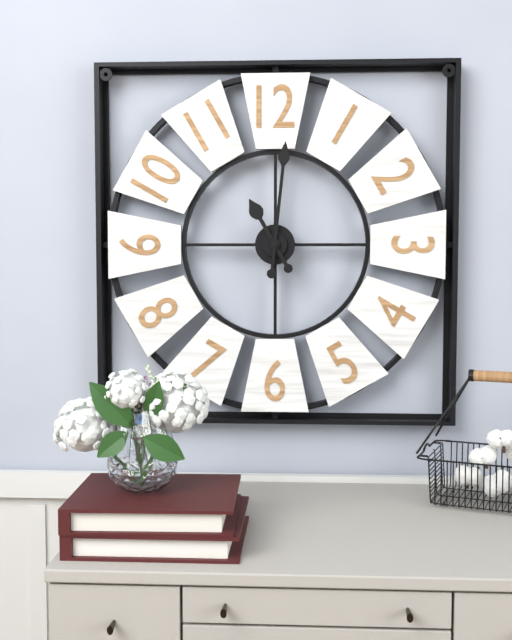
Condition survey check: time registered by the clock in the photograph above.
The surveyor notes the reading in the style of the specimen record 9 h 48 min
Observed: 11 h 01 min
